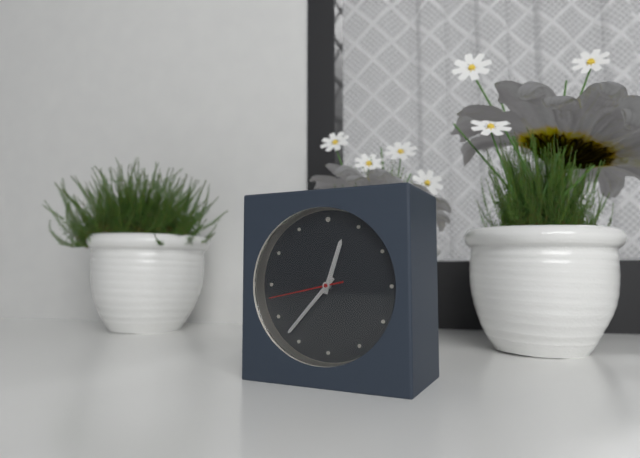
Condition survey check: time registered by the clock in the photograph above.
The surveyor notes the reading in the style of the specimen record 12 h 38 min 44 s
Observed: 12 h 37 min 43 s
